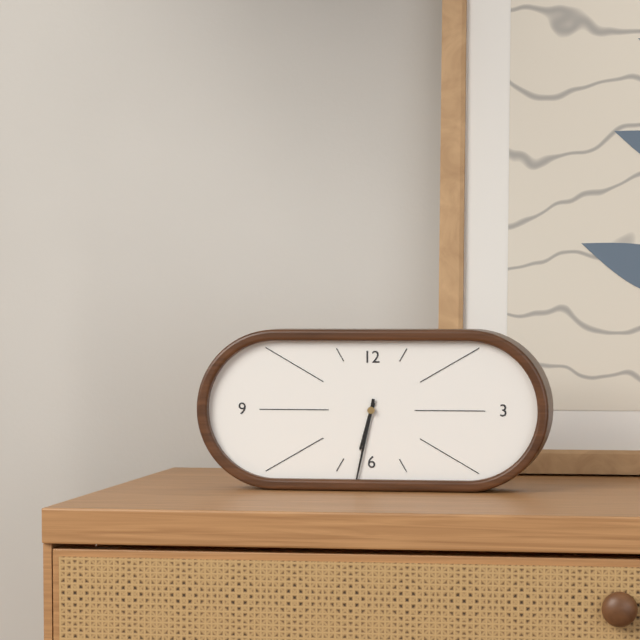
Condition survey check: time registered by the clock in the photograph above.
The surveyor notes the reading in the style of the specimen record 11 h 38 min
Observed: 6 h 32 min
